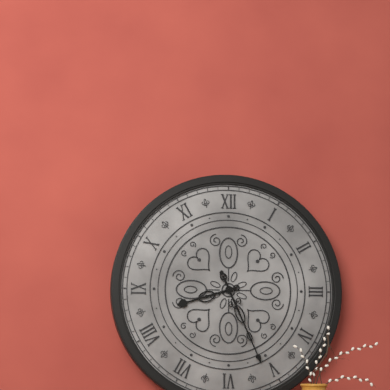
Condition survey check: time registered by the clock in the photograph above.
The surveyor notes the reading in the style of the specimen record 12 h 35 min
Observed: 8 h 26 min
